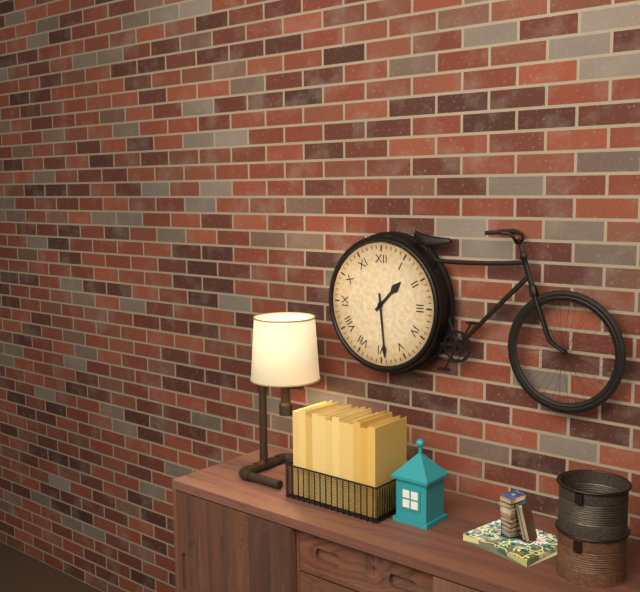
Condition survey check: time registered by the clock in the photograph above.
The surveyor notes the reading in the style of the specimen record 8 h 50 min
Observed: 1 h 29 min
